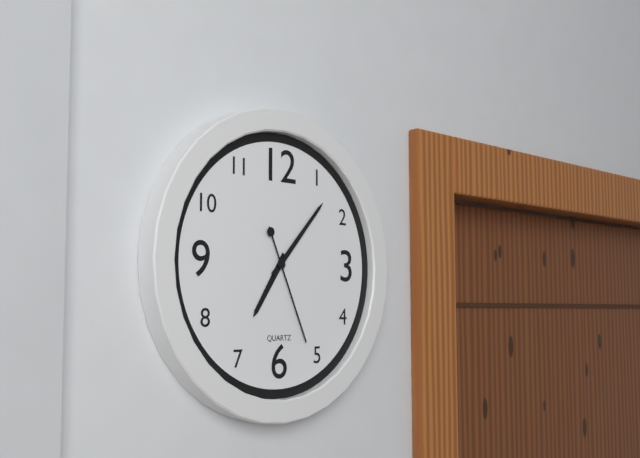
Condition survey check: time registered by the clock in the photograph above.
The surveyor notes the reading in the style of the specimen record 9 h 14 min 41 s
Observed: 7 h 07 min 26 s
